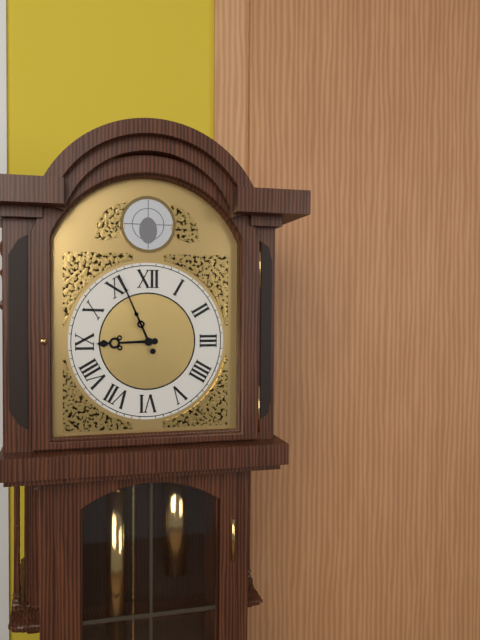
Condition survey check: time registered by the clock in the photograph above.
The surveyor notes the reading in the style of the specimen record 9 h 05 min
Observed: 8 h 56 min
